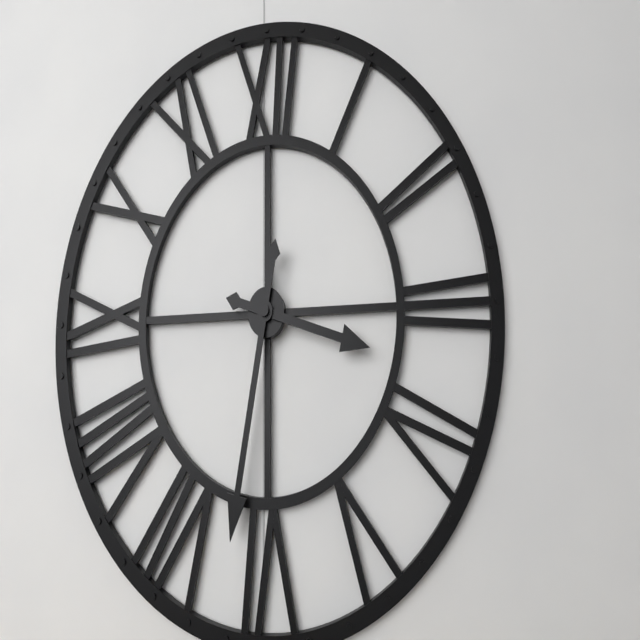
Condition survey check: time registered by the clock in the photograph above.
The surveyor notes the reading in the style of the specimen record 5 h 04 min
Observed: 3 h 32 min
